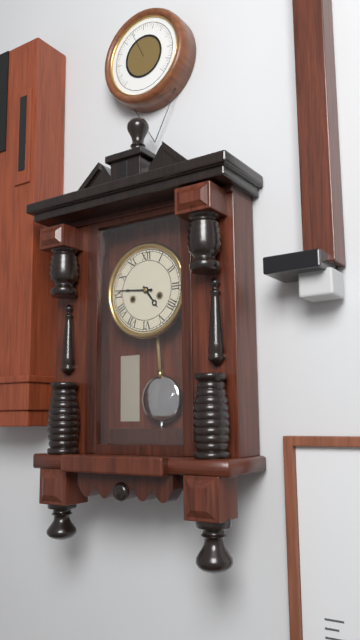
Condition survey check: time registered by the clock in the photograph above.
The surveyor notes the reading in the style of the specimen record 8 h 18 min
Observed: 4 h 46 min
